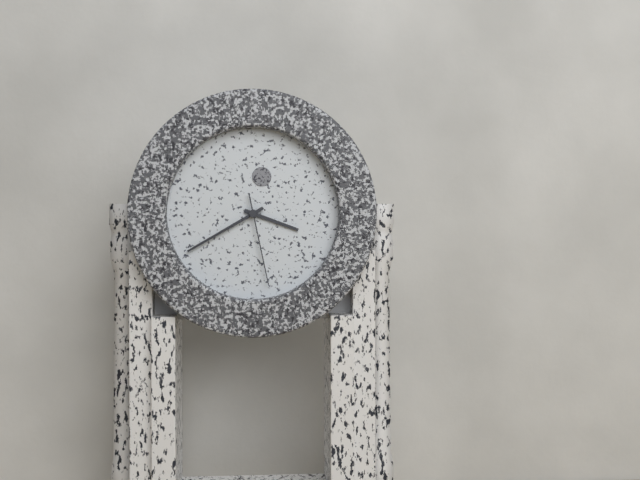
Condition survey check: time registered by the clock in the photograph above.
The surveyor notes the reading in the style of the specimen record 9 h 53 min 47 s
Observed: 3 h 40 min 28 s
